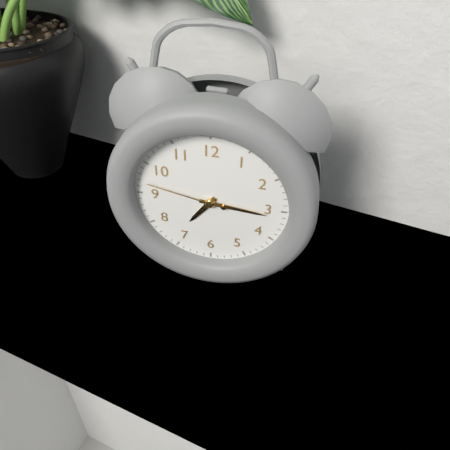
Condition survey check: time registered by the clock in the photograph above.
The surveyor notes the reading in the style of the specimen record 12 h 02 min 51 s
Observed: 7 h 16 min 47 s
